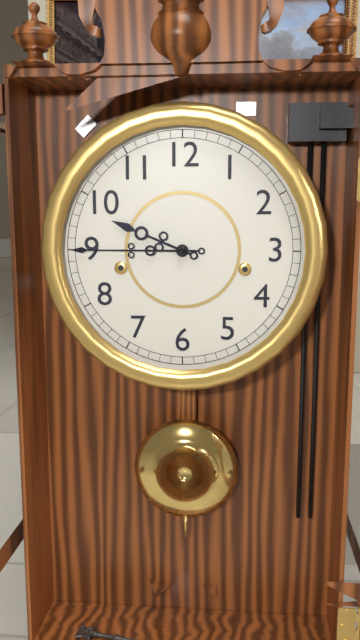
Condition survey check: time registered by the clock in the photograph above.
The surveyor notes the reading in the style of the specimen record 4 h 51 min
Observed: 9 h 45 min
